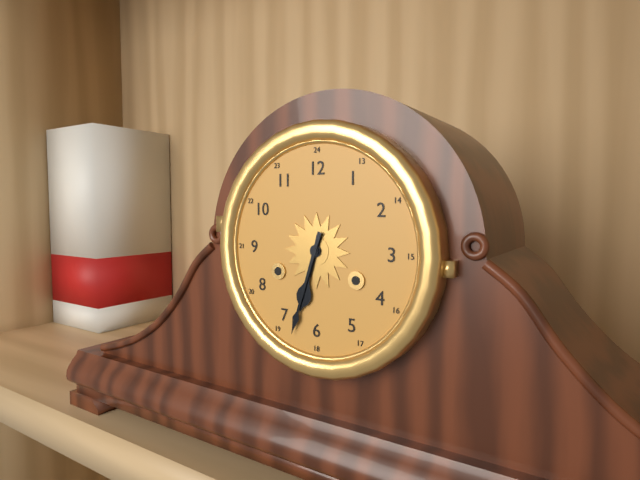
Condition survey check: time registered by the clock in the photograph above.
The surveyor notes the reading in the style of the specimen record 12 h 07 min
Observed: 6 h 33 min
